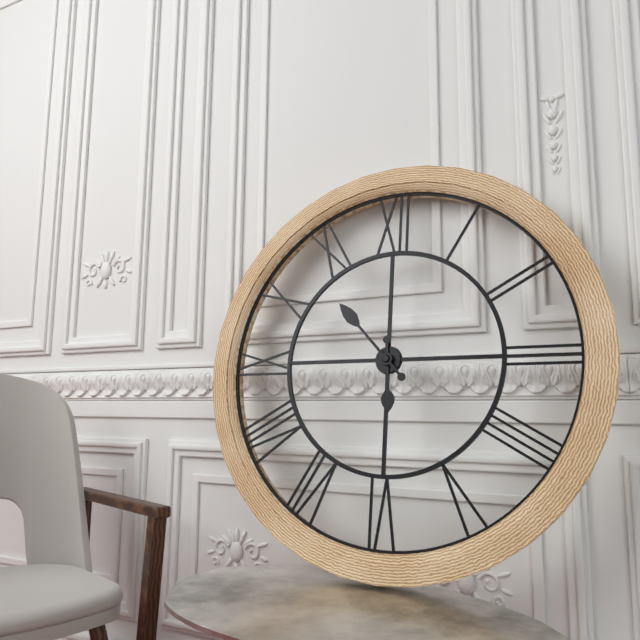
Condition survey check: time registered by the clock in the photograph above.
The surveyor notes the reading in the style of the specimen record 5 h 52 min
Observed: 5 h 53 min
